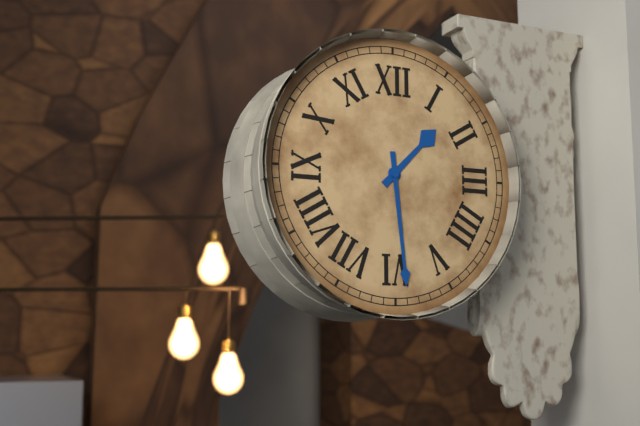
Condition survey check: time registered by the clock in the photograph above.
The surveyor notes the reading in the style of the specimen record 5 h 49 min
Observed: 1 h 29 min
